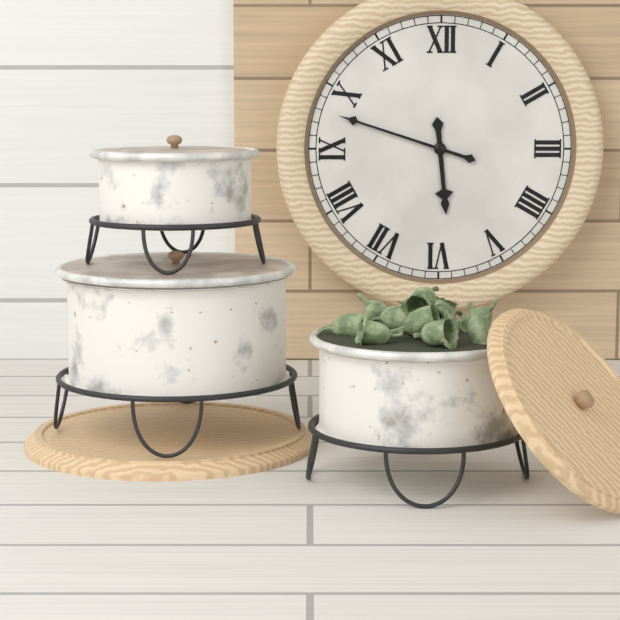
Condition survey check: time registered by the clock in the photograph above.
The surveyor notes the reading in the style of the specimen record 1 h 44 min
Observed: 5 h 48 min
